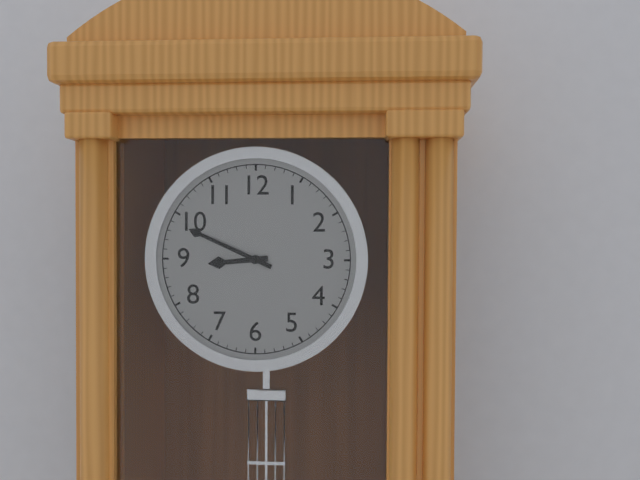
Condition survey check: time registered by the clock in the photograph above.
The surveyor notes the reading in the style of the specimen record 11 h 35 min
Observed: 8 h 49 min
